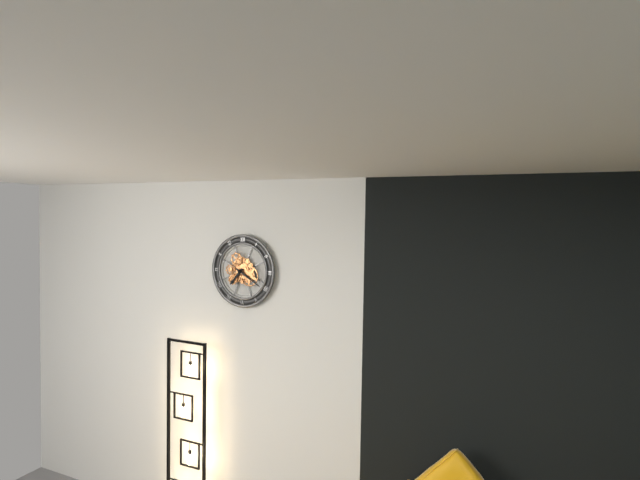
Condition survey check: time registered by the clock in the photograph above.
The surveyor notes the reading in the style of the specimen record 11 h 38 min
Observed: 7 h 20 min
